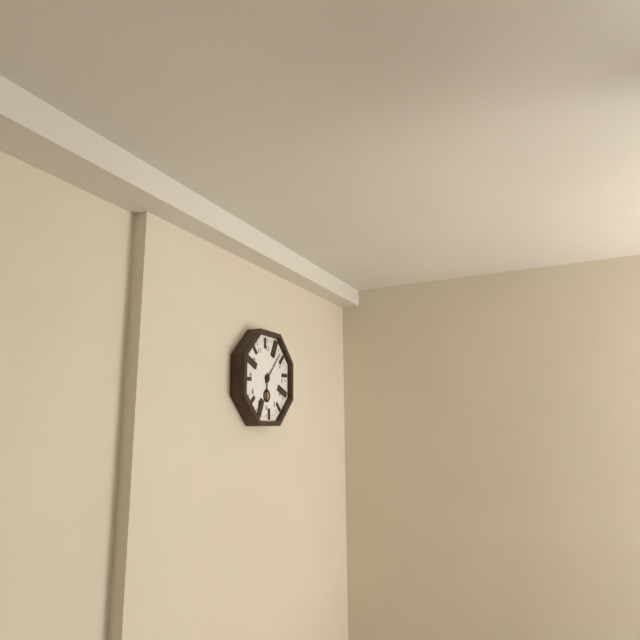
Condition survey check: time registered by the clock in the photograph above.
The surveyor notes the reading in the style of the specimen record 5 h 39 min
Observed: 6 h 07 min
